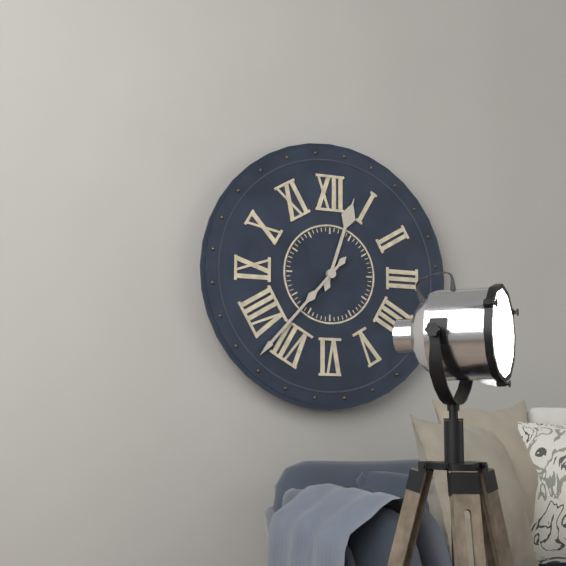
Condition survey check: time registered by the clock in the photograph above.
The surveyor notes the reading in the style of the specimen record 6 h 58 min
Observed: 12 h 37 min
